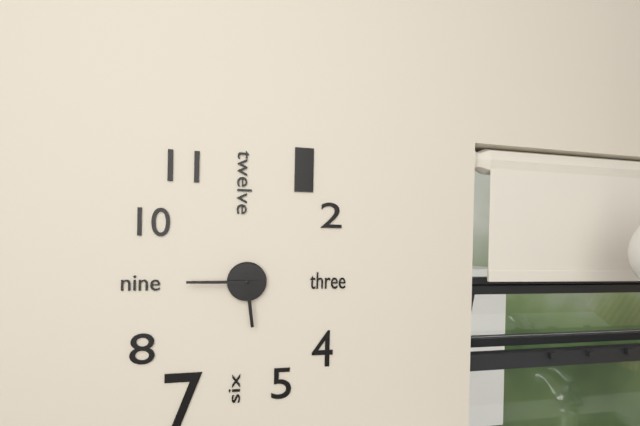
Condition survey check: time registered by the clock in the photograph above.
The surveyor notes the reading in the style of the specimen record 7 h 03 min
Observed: 5 h 45 min
